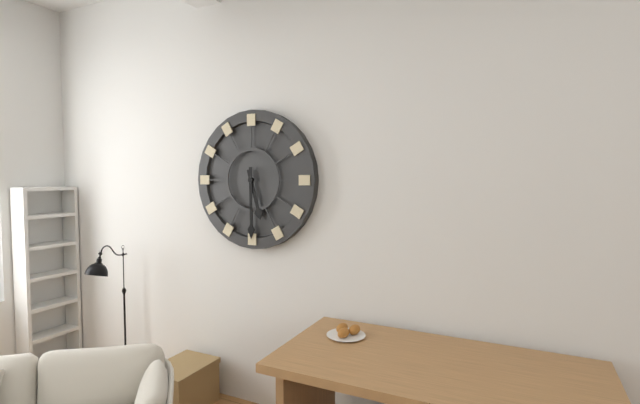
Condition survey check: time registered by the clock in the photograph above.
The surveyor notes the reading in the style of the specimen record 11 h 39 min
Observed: 5 h 30 min
